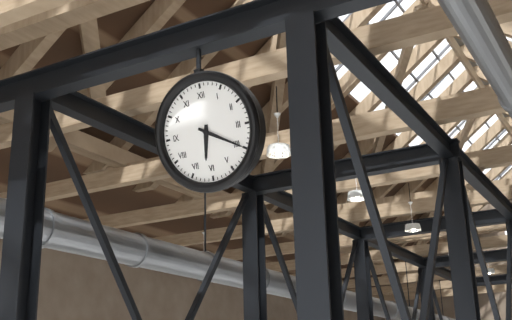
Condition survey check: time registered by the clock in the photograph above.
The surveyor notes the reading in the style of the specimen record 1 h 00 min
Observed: 6 h 20 min
